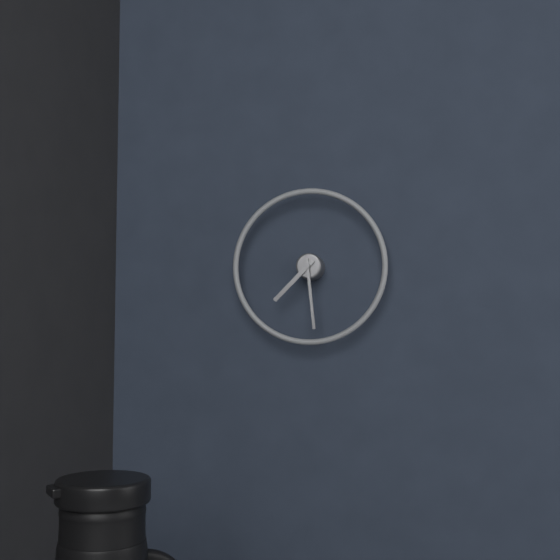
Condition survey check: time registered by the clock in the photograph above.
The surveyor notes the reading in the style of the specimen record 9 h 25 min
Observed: 7 h 29 min
